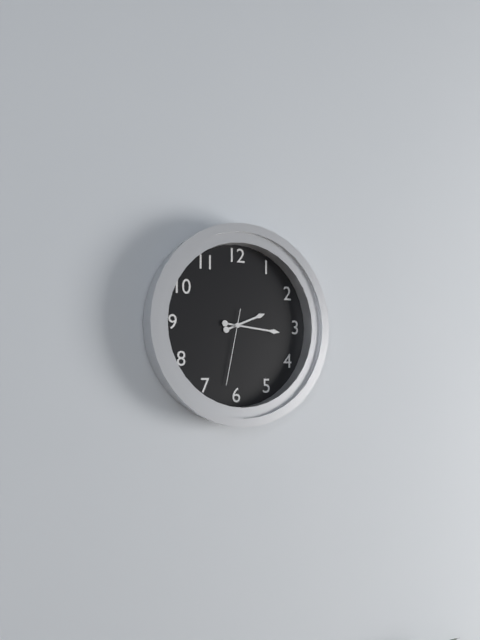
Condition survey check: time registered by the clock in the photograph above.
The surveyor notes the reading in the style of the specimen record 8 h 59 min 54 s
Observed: 2 h 16 min 32 s
